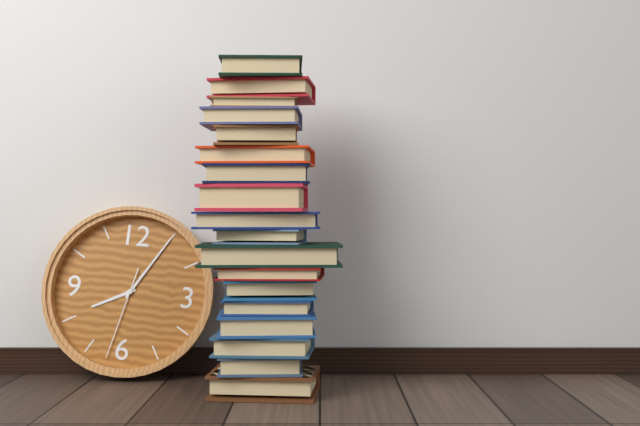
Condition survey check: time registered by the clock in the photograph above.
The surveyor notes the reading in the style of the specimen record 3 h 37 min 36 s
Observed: 8 h 05 min 32 s
